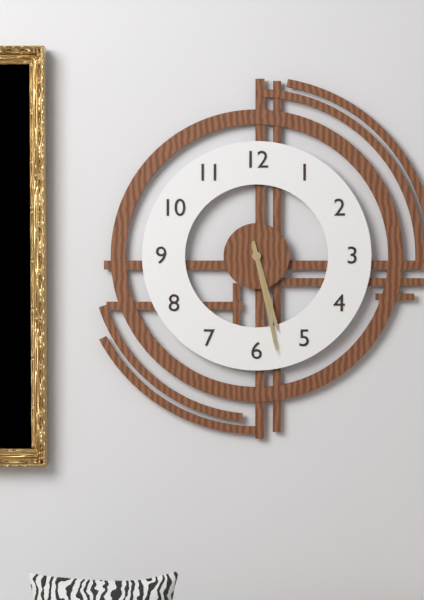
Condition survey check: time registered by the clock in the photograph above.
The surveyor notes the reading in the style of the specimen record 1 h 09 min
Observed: 5 h 28 min
